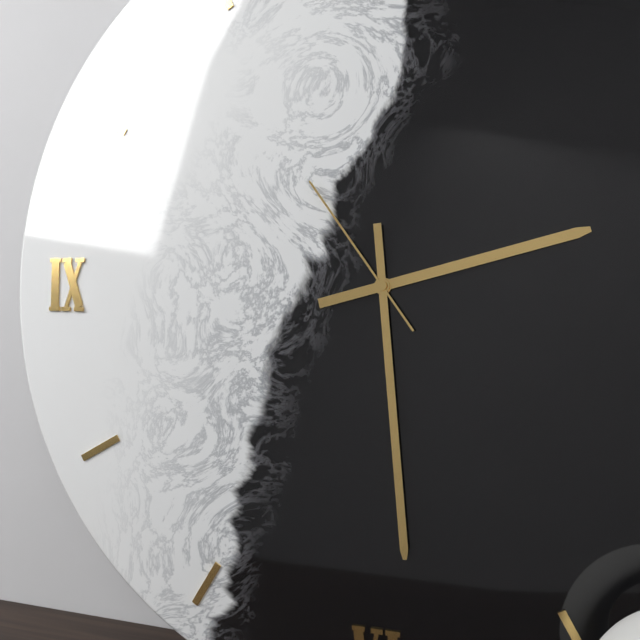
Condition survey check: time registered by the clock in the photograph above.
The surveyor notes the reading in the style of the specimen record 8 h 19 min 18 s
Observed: 2 h 29 min 54 s
